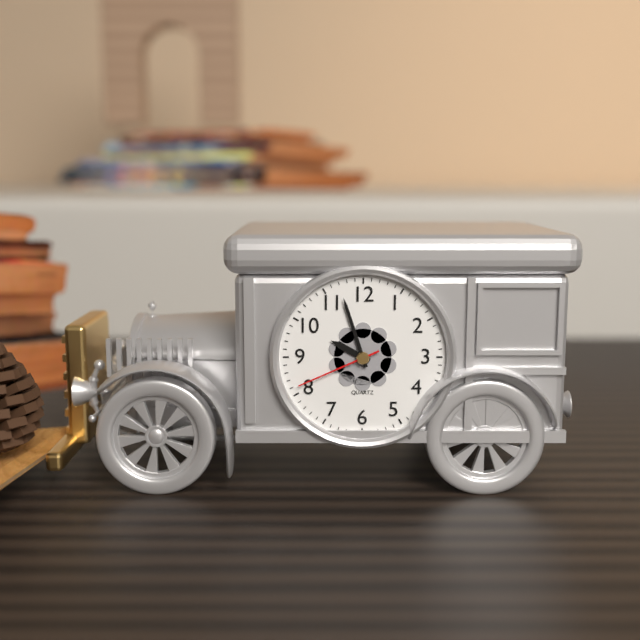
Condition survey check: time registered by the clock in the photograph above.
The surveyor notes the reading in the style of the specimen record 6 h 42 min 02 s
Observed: 9 h 57 min 41 s
